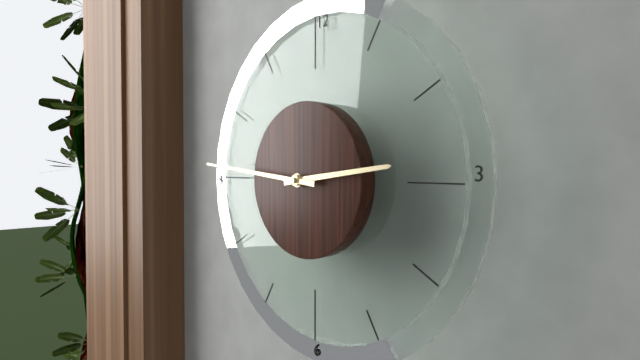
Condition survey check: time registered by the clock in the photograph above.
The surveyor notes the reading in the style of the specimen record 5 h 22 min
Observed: 2 h 46 min
